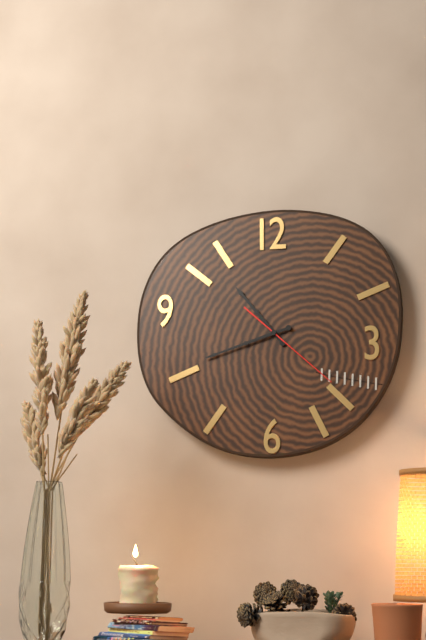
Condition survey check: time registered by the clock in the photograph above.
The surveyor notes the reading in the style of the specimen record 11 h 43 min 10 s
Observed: 10 h 42 min 22 s
